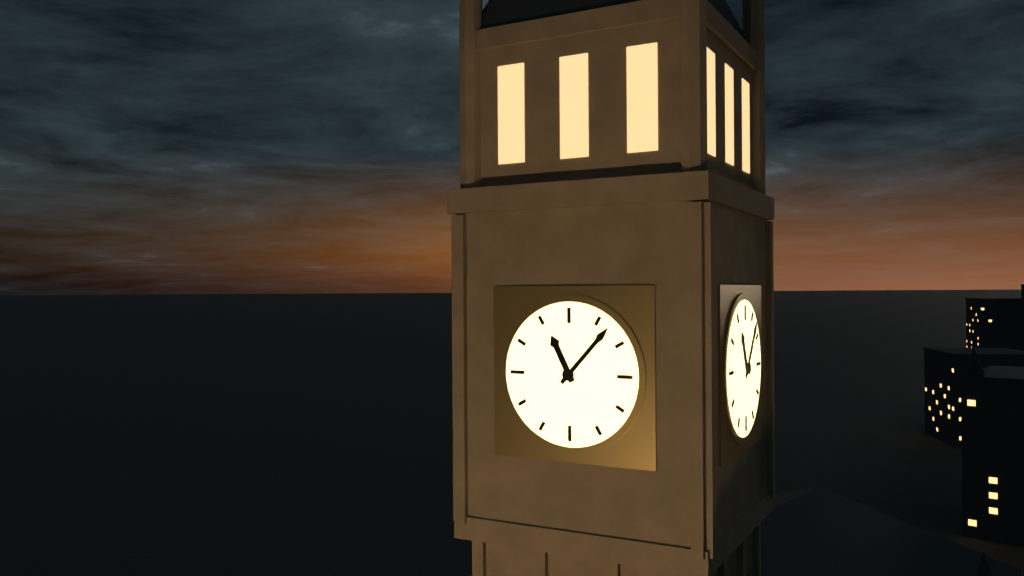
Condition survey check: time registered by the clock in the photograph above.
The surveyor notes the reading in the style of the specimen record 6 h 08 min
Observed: 11 h 07 min
